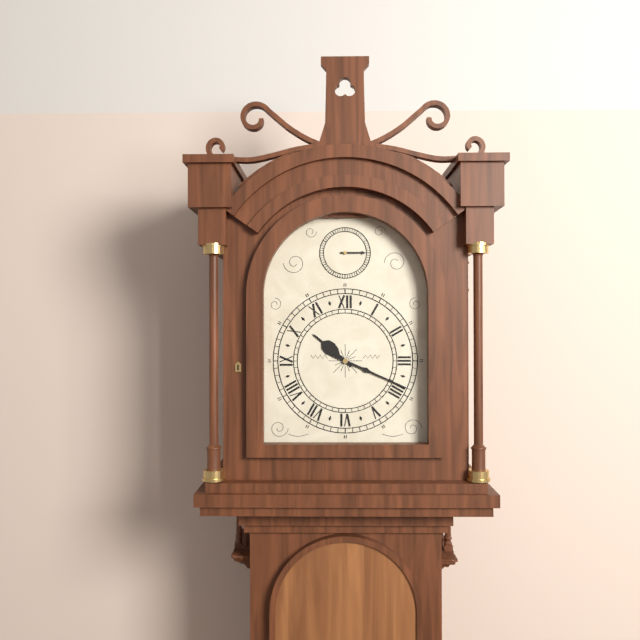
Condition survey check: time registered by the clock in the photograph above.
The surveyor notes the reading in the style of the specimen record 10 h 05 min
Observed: 10 h 19 min
